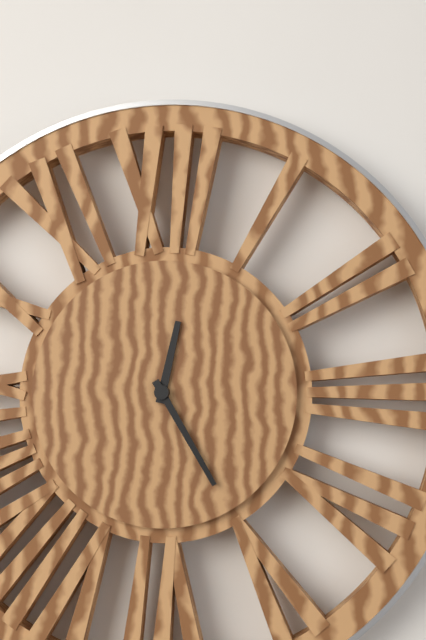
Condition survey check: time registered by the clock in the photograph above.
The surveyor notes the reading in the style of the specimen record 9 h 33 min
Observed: 12 h 25 min
